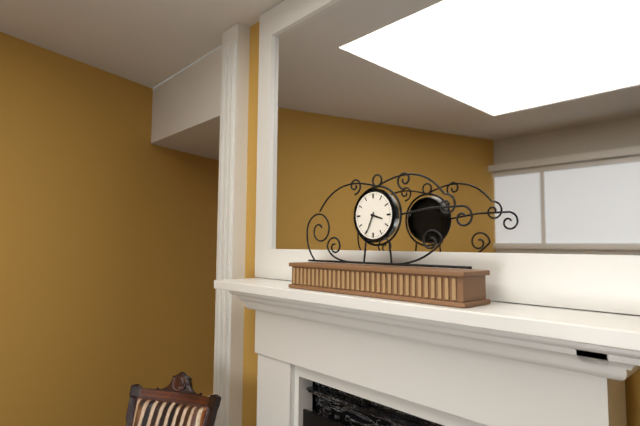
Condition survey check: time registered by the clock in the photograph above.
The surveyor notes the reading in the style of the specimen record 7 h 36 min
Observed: 3 h 34 min
